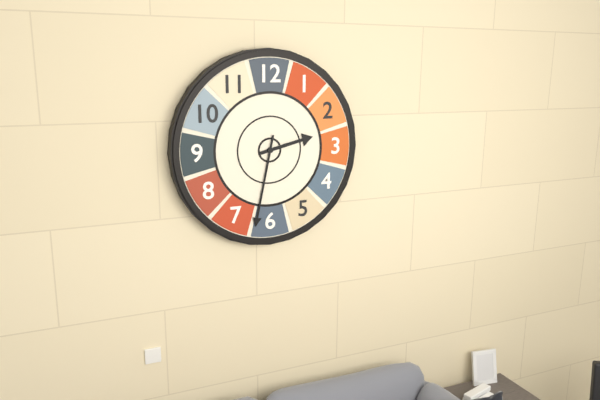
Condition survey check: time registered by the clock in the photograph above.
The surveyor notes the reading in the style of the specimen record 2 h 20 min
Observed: 2 h 32 min
